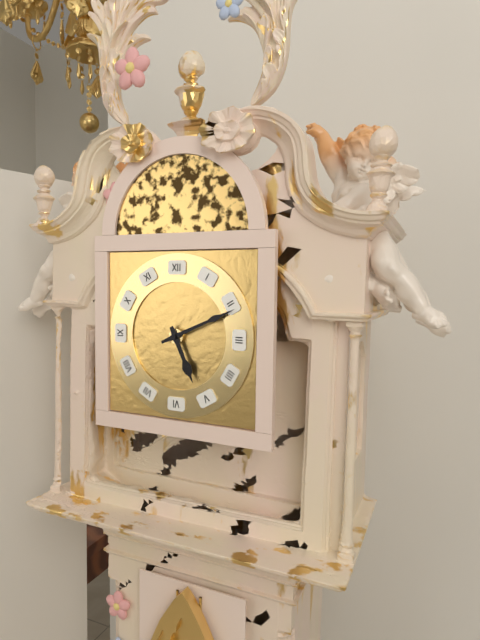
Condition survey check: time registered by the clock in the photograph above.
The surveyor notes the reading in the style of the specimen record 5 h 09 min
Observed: 5 h 11 min
